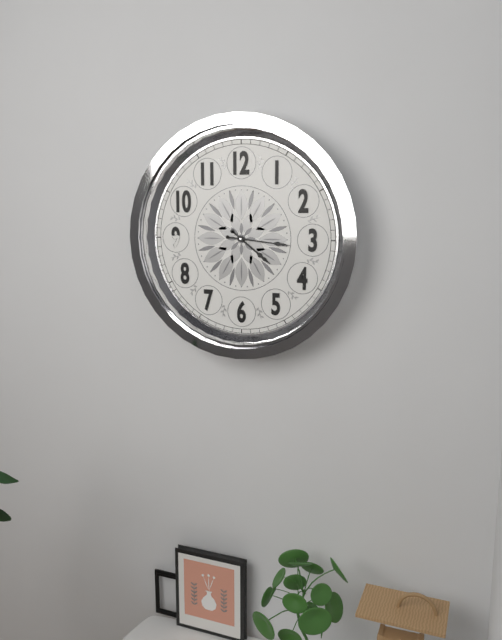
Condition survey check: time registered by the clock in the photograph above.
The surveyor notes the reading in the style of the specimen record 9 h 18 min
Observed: 4 h 16 min
